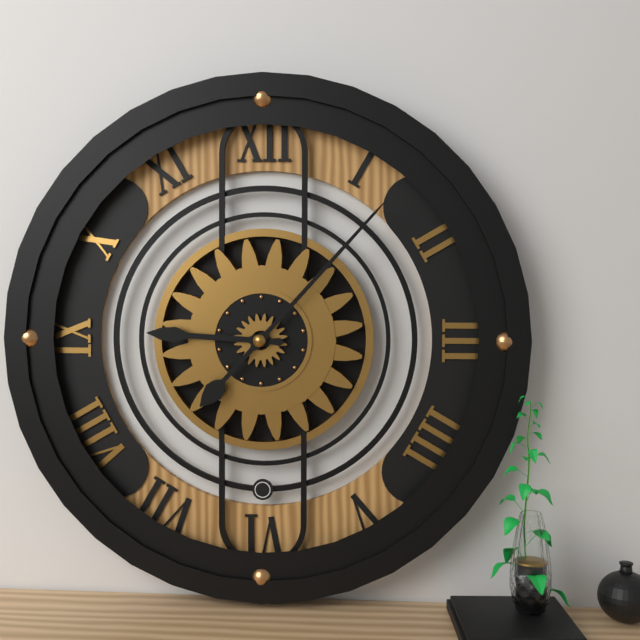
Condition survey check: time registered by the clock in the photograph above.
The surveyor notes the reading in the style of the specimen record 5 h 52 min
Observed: 9 h 07 min
